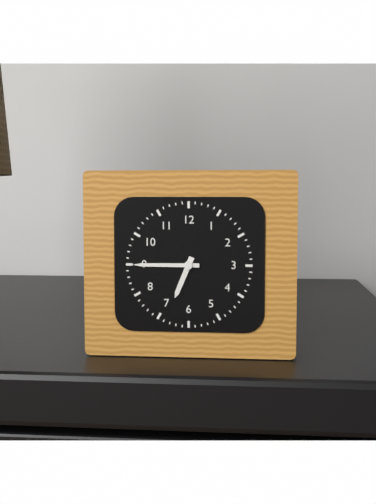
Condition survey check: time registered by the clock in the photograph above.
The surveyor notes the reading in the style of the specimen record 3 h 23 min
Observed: 6 h 45 min
